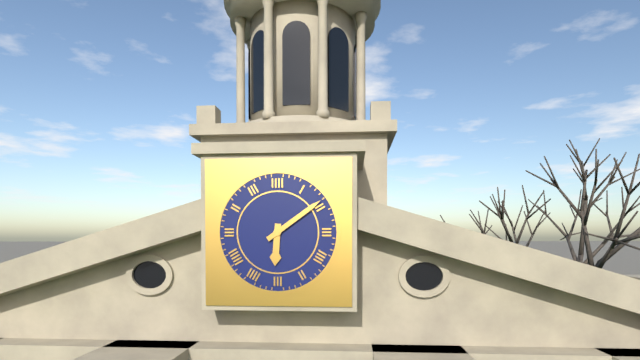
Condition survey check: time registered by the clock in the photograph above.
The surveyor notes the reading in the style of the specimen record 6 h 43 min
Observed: 6 h 09 min
